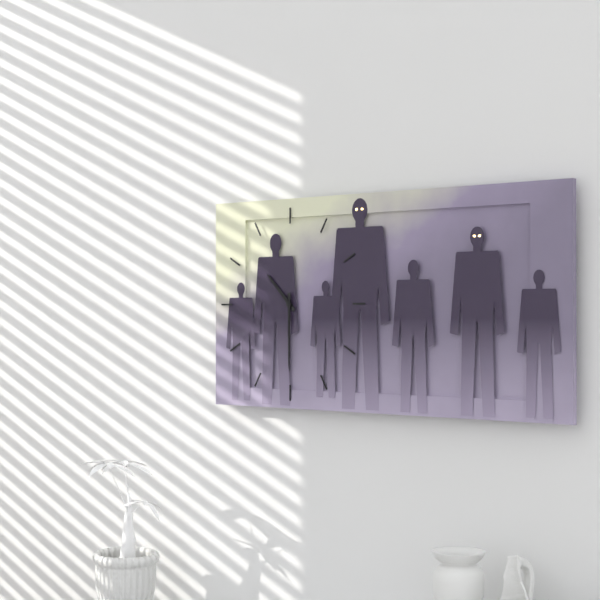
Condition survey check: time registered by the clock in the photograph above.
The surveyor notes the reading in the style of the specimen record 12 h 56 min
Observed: 10 h 30 min
